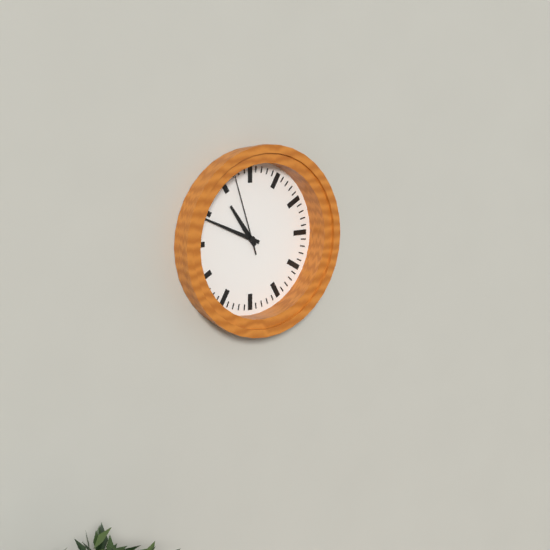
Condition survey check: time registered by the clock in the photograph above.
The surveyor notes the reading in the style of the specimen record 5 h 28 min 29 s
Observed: 10 h 49 min 57 s
